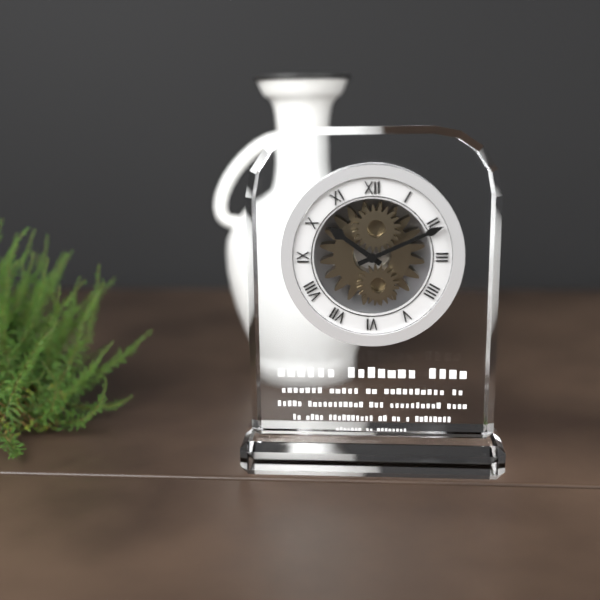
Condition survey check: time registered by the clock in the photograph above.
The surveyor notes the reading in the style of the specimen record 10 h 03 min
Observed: 10 h 11 min
